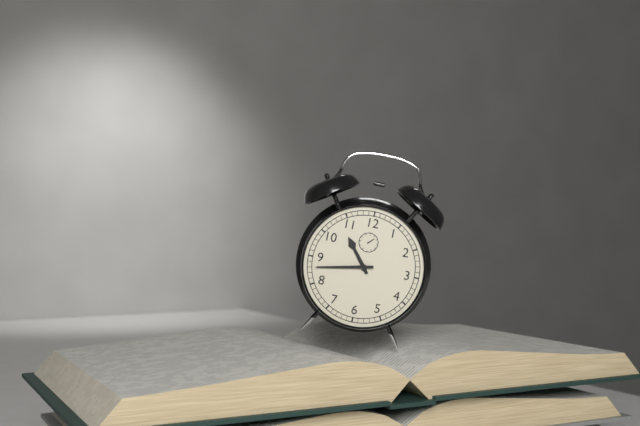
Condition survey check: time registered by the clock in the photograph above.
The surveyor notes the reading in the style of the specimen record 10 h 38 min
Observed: 10 h 43 min
